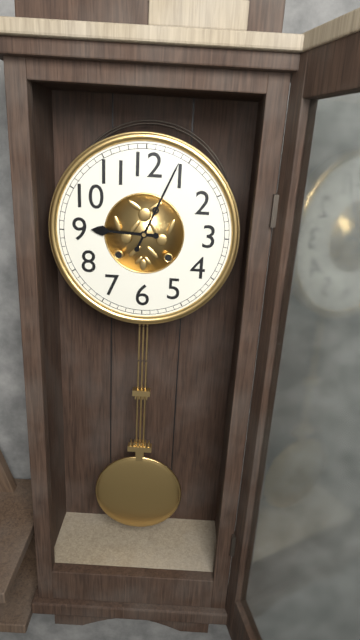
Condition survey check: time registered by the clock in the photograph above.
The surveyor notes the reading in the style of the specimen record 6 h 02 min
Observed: 9 h 04 min
